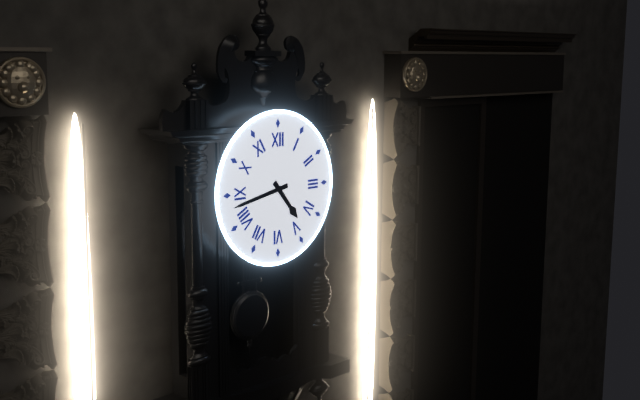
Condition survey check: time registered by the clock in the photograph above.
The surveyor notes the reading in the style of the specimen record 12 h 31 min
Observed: 4 h 43 min
